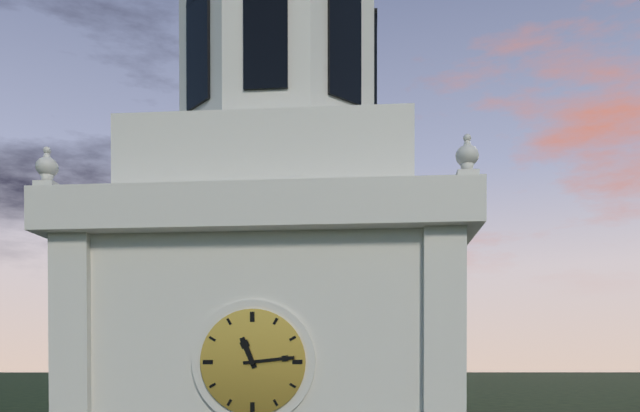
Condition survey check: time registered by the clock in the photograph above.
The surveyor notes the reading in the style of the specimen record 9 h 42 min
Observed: 11 h 14 min
